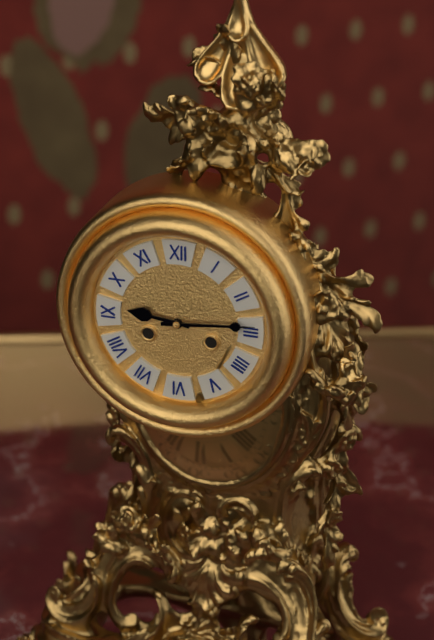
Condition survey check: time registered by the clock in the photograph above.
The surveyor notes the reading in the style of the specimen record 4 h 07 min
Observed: 9 h 14 min
